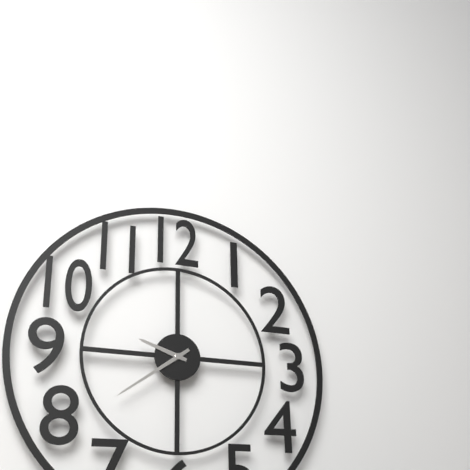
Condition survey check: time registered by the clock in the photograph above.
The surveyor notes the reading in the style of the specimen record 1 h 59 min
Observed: 9 h 39 min
